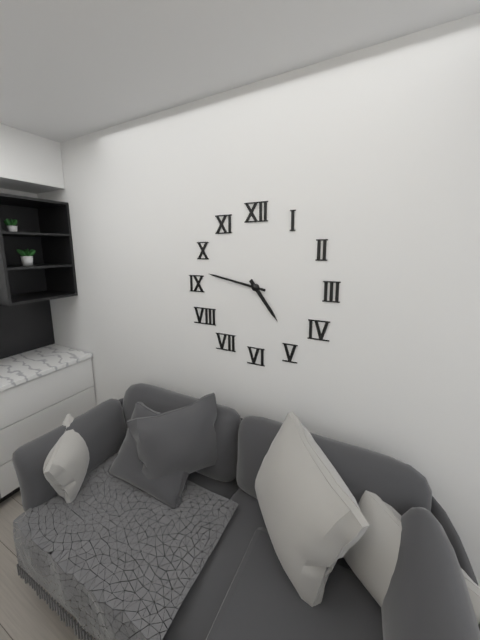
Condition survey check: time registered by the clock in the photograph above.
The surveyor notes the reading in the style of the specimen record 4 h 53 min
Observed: 4 h 47 min
